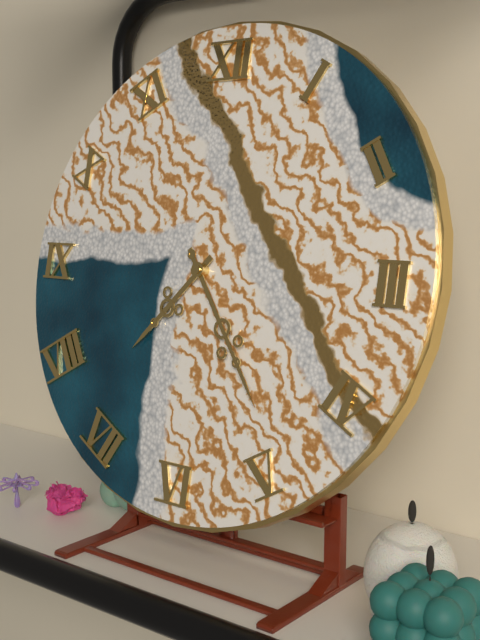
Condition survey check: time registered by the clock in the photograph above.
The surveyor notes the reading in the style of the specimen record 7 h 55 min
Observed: 7 h 24 min
